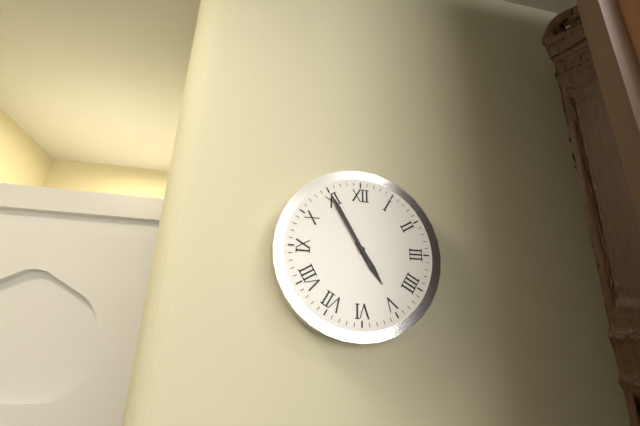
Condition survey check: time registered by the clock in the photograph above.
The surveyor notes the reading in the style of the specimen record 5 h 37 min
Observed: 4 h 55 min
